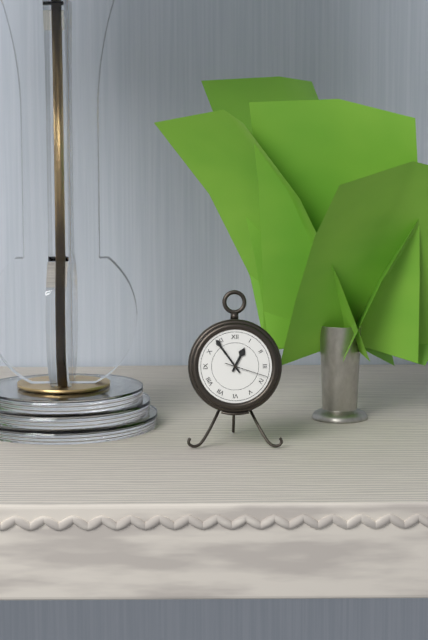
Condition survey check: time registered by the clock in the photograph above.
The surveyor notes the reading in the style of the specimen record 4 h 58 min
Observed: 12 h 54 min
